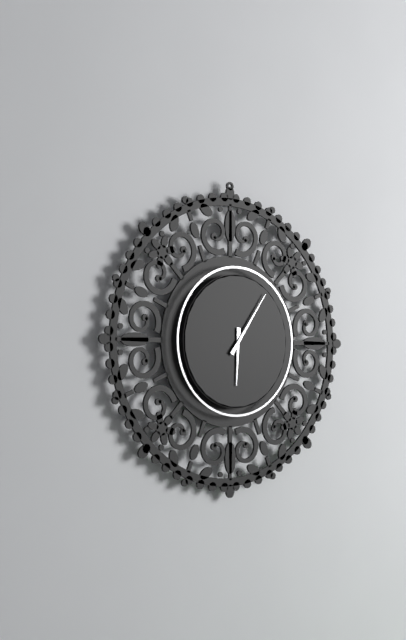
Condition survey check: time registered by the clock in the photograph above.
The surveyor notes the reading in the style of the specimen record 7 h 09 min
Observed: 6 h 06 min
